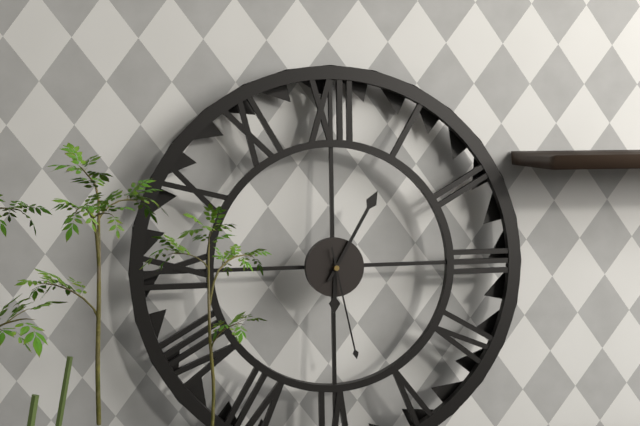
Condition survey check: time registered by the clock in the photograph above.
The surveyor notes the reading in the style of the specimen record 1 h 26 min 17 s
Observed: 6 h 05 min 28 s
